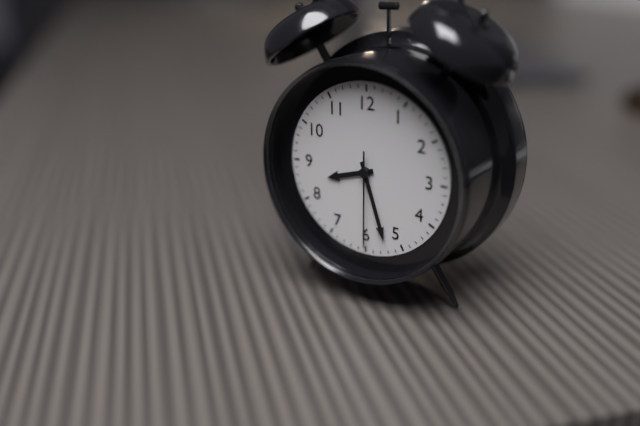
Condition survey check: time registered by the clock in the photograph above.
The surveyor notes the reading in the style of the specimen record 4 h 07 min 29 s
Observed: 8 h 27 min 30 s
